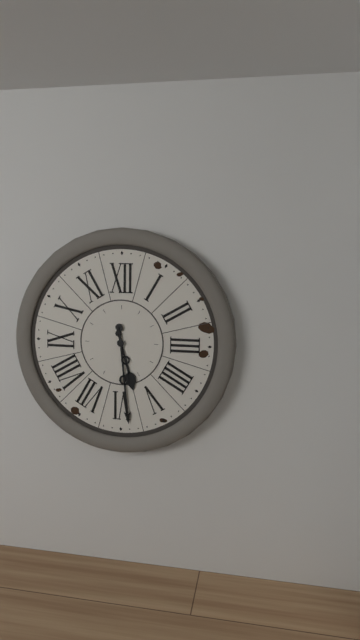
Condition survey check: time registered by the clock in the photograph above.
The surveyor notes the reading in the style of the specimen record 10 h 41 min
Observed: 5 h 29 min
